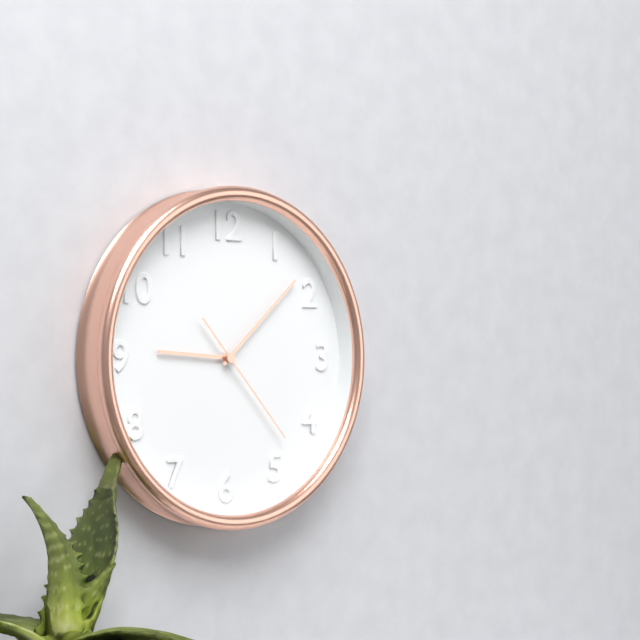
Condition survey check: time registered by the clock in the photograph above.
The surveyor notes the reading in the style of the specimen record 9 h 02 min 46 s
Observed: 9 h 08 min 23 s
